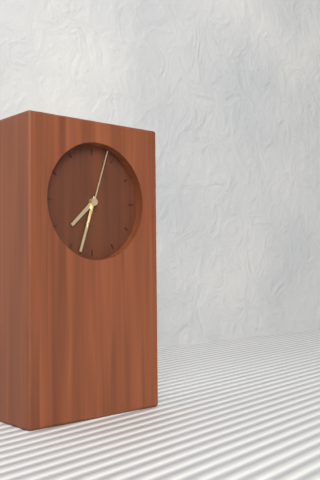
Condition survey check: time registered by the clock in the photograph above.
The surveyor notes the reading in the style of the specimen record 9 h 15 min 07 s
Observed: 7 h 33 min 03 s
